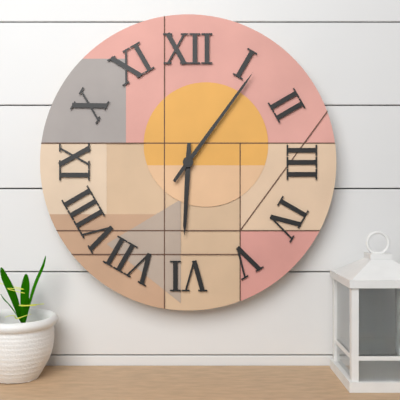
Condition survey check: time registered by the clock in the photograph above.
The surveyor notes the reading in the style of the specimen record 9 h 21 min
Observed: 6 h 06 min
